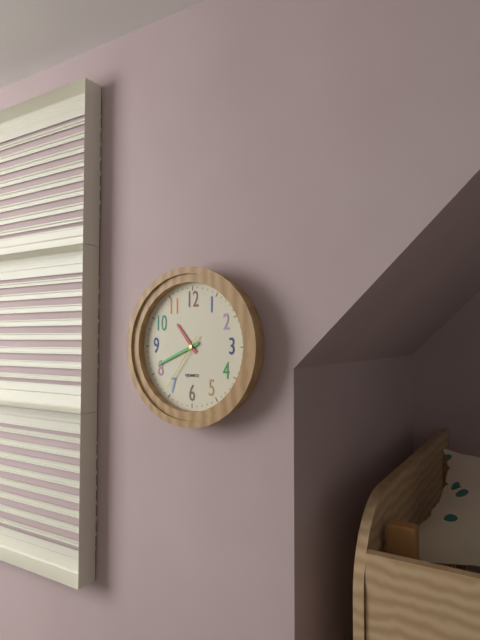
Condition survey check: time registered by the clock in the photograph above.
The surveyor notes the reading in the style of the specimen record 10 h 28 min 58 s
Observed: 10 h 41 min 36 s
